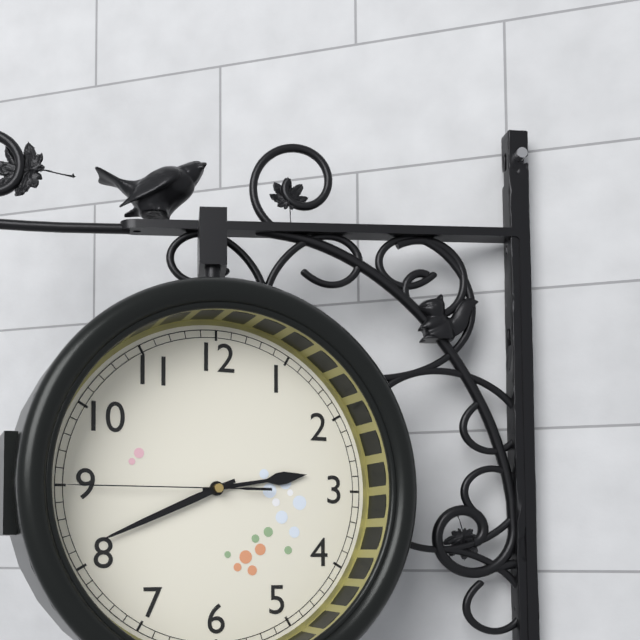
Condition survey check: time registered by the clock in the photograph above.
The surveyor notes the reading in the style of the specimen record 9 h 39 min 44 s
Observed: 2 h 41 min 45 s
